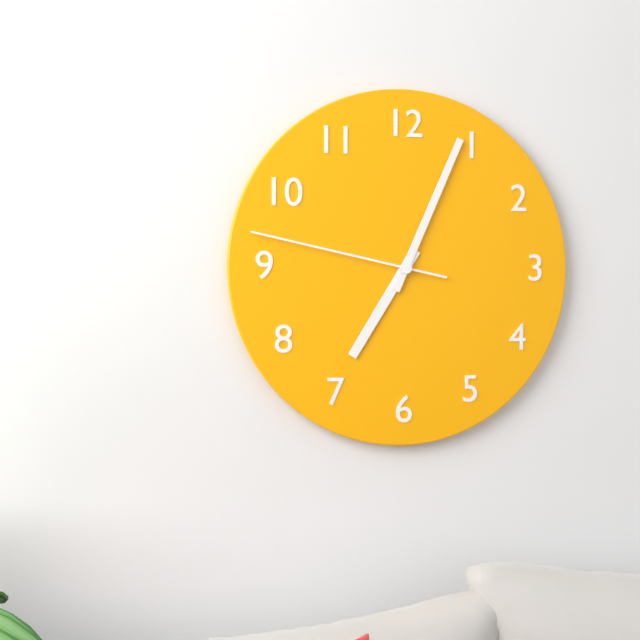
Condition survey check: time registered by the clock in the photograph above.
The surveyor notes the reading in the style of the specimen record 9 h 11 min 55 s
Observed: 7 h 04 min 47 s
